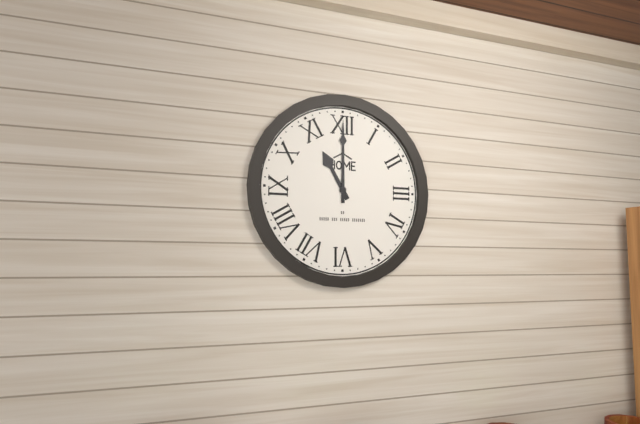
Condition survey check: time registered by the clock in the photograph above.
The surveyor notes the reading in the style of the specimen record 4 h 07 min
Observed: 11 h 00 min
